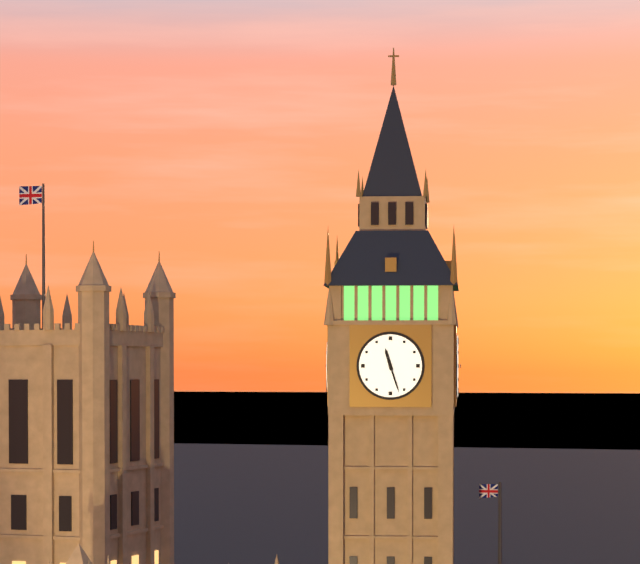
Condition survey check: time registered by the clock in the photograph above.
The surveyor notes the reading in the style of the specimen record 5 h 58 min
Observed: 11 h 27 min
